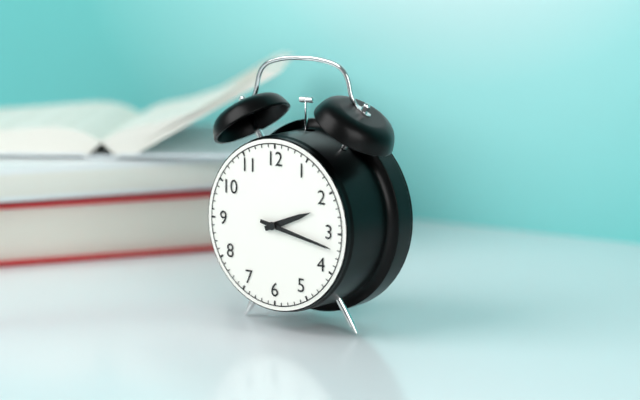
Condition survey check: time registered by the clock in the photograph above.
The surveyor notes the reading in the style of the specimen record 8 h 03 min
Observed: 2 h 17 min
